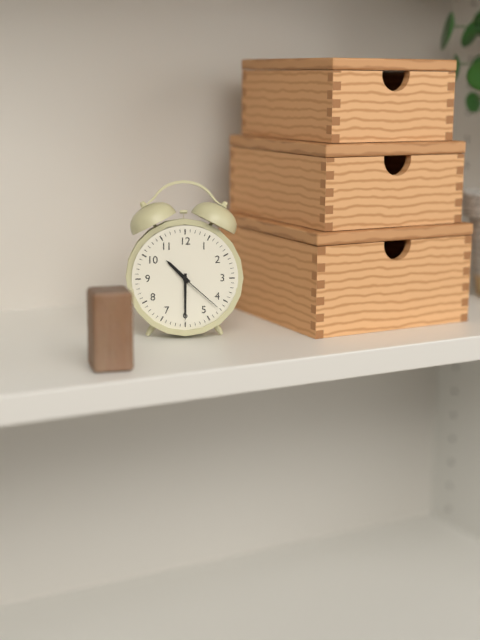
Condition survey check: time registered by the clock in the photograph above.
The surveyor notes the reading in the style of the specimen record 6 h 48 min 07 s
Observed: 10 h 30 min 22 s
